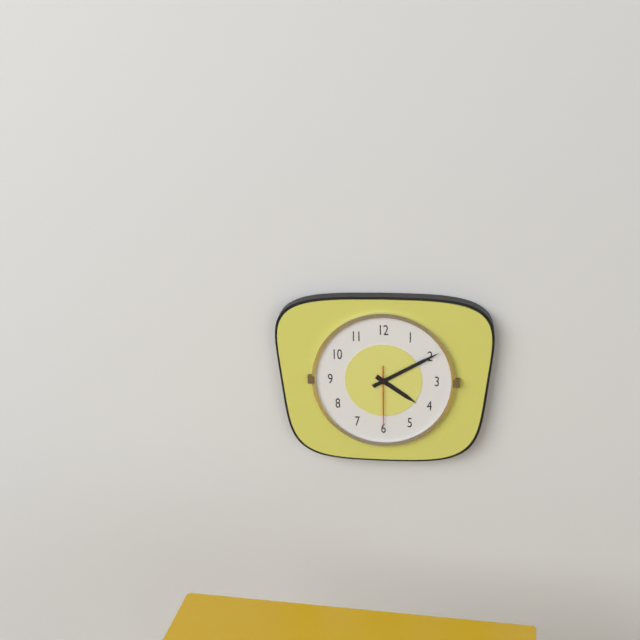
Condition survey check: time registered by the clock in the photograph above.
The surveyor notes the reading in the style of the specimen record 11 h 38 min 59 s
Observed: 4 h 10 min 30 s
